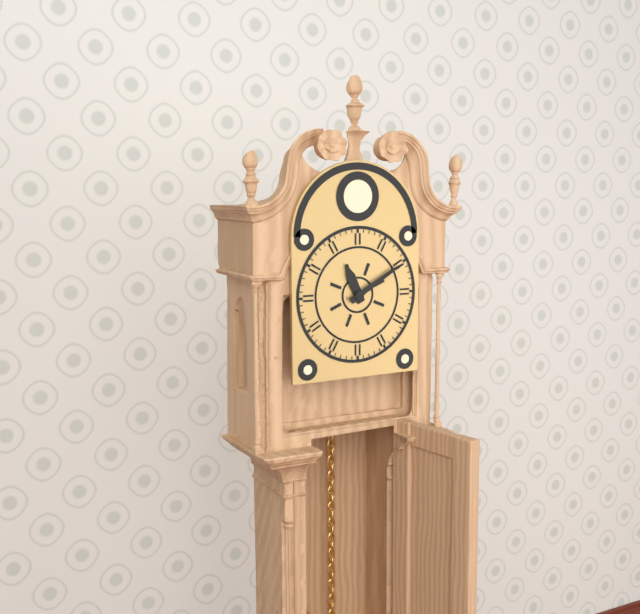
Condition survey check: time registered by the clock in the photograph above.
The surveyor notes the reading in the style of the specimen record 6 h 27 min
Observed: 11 h 10 min
